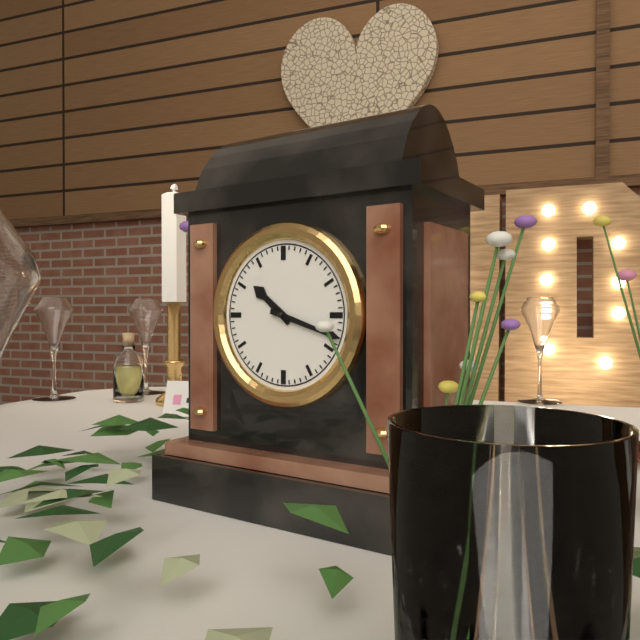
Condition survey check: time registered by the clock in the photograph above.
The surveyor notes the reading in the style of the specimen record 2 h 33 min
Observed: 10 h 18 min
